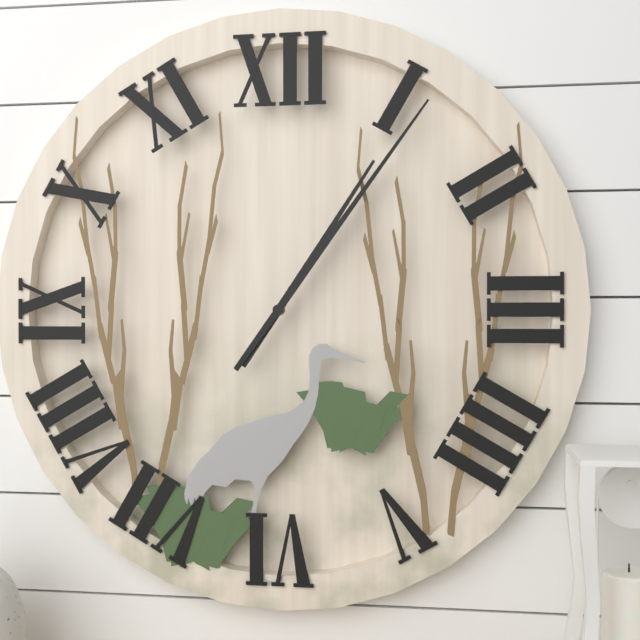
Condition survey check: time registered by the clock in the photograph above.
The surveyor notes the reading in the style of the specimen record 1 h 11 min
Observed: 1 h 06 min
